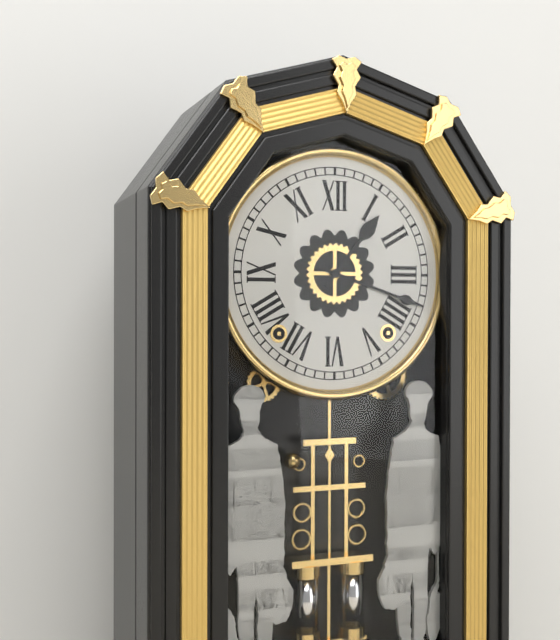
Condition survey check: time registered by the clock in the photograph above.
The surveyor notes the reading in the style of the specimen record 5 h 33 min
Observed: 1 h 18 min
